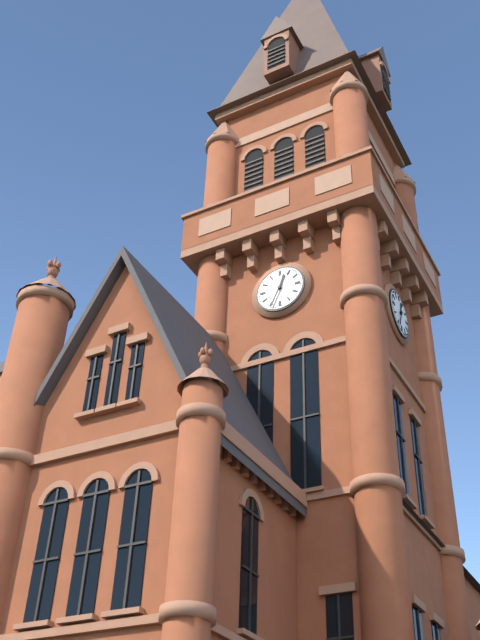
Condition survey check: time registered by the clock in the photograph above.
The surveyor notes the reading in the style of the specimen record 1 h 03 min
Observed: 12 h 34 min
